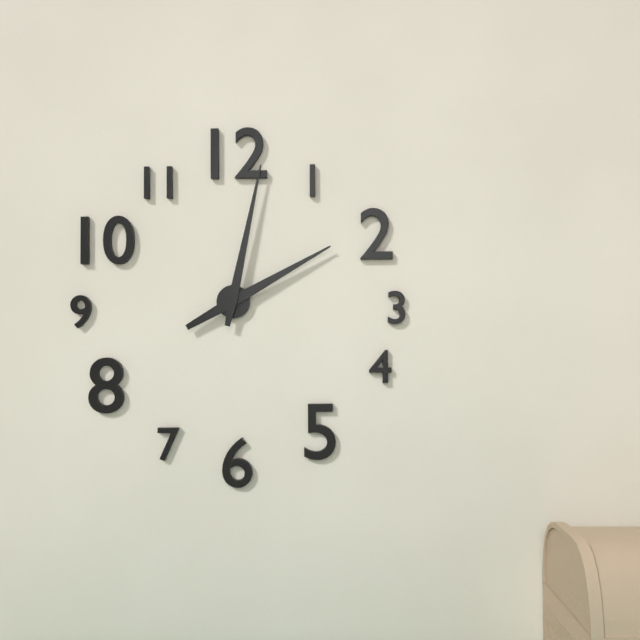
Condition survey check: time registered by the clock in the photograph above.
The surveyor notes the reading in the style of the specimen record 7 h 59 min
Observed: 2 h 02 min
